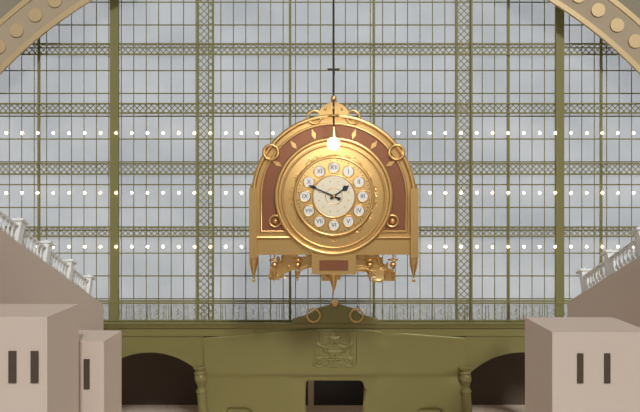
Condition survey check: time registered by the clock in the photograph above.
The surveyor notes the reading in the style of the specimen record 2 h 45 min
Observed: 1 h 49 min
